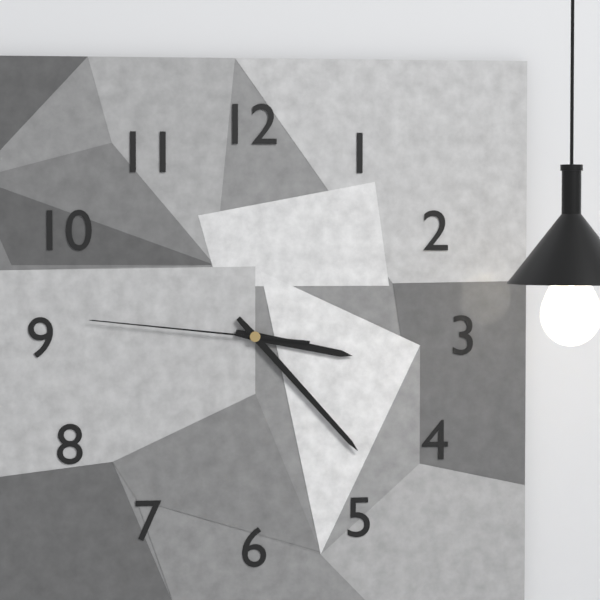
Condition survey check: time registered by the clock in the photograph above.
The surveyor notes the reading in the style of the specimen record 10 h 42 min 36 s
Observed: 3 h 23 min 46 s
